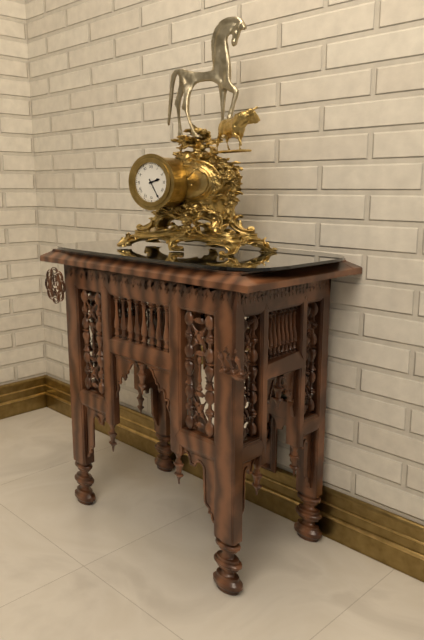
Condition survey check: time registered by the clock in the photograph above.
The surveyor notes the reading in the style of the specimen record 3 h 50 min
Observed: 2 h 25 min
